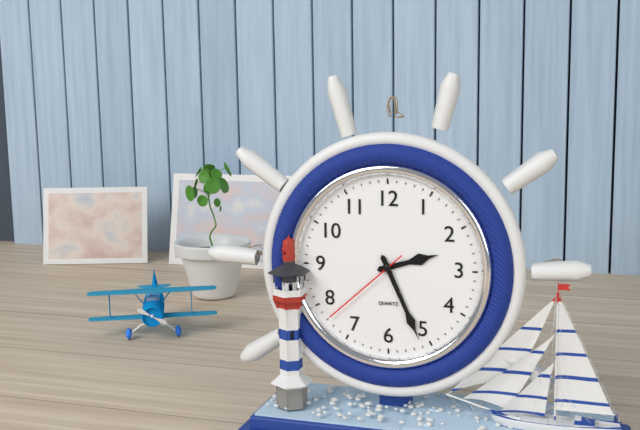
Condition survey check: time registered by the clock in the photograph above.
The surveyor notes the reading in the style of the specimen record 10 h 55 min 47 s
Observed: 2 h 26 min 38 s
